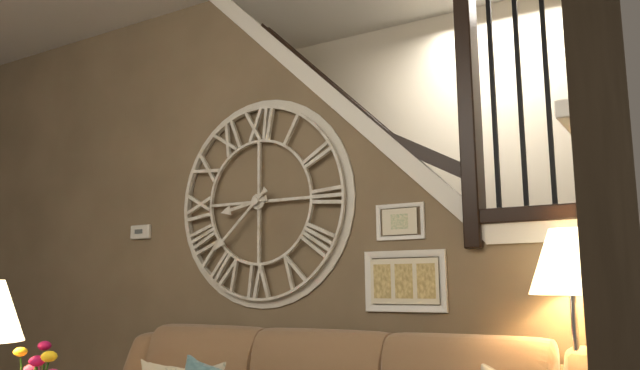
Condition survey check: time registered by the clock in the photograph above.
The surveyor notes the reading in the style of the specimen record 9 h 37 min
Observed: 8 h 38 min
